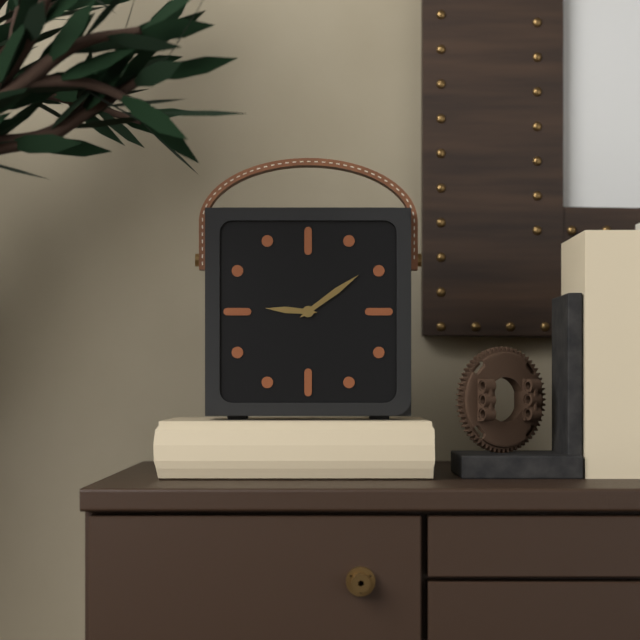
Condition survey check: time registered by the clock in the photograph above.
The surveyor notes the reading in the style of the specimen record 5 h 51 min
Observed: 9 h 09 min
